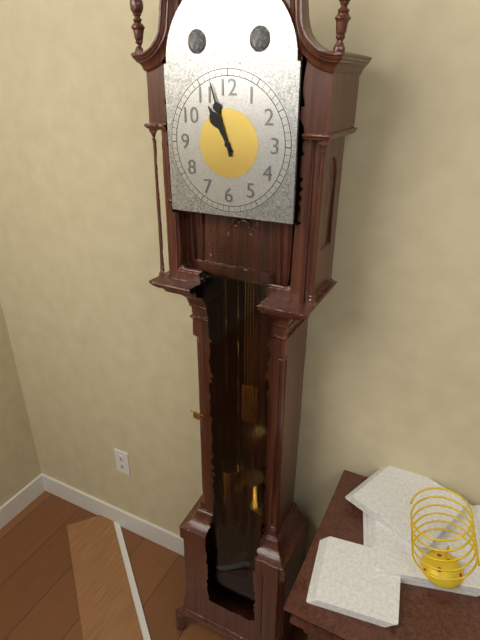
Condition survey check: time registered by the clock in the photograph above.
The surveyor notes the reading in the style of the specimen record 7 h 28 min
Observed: 10 h 57 min
